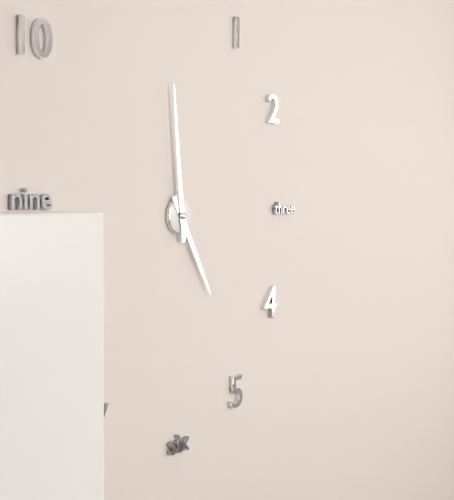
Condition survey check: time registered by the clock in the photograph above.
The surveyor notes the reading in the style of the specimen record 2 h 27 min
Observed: 4 h 59 min
